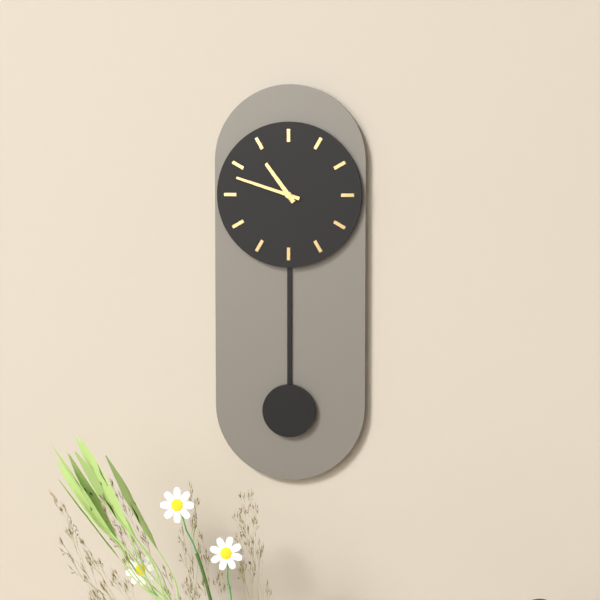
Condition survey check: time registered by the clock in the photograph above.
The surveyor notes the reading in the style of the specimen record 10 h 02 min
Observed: 10 h 48 min
